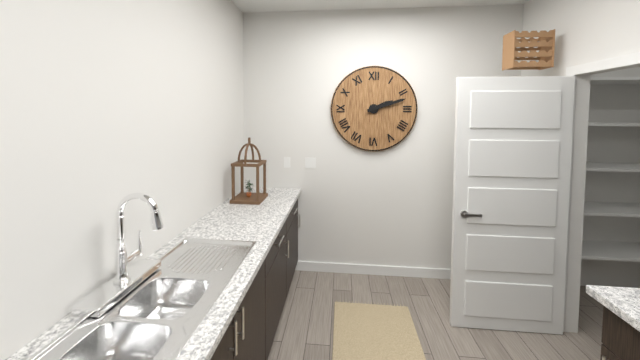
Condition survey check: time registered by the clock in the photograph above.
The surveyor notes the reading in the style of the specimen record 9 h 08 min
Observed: 2 h 12 min
